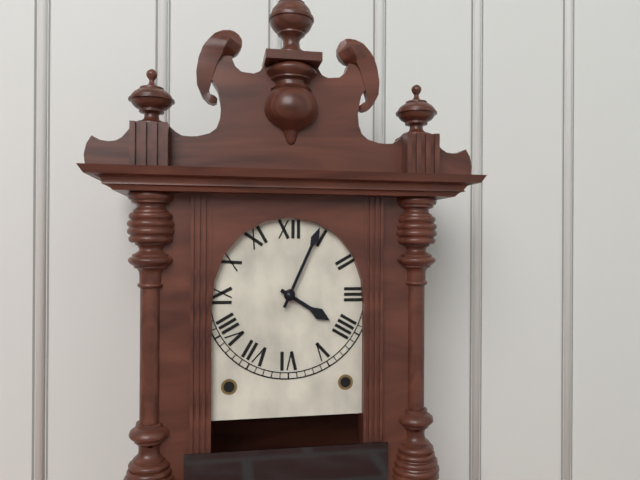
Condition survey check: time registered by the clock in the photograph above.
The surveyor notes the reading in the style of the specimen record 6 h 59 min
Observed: 4 h 04 min
